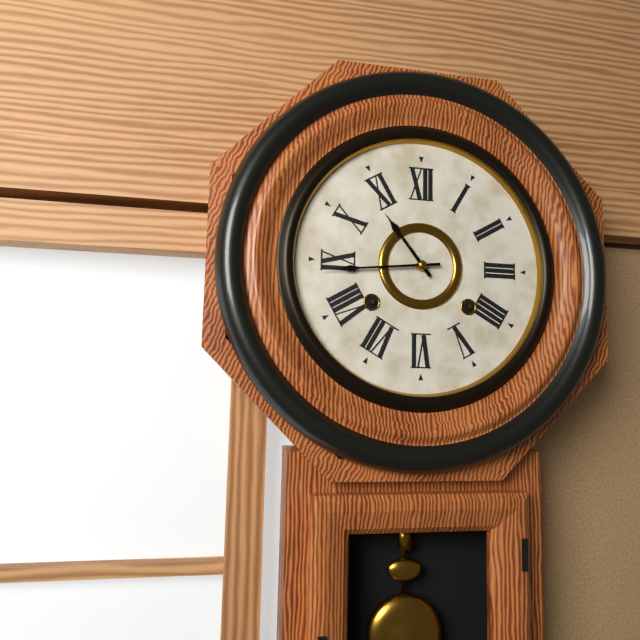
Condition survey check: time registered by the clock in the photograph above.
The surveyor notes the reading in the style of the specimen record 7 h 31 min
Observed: 10 h 44 min
